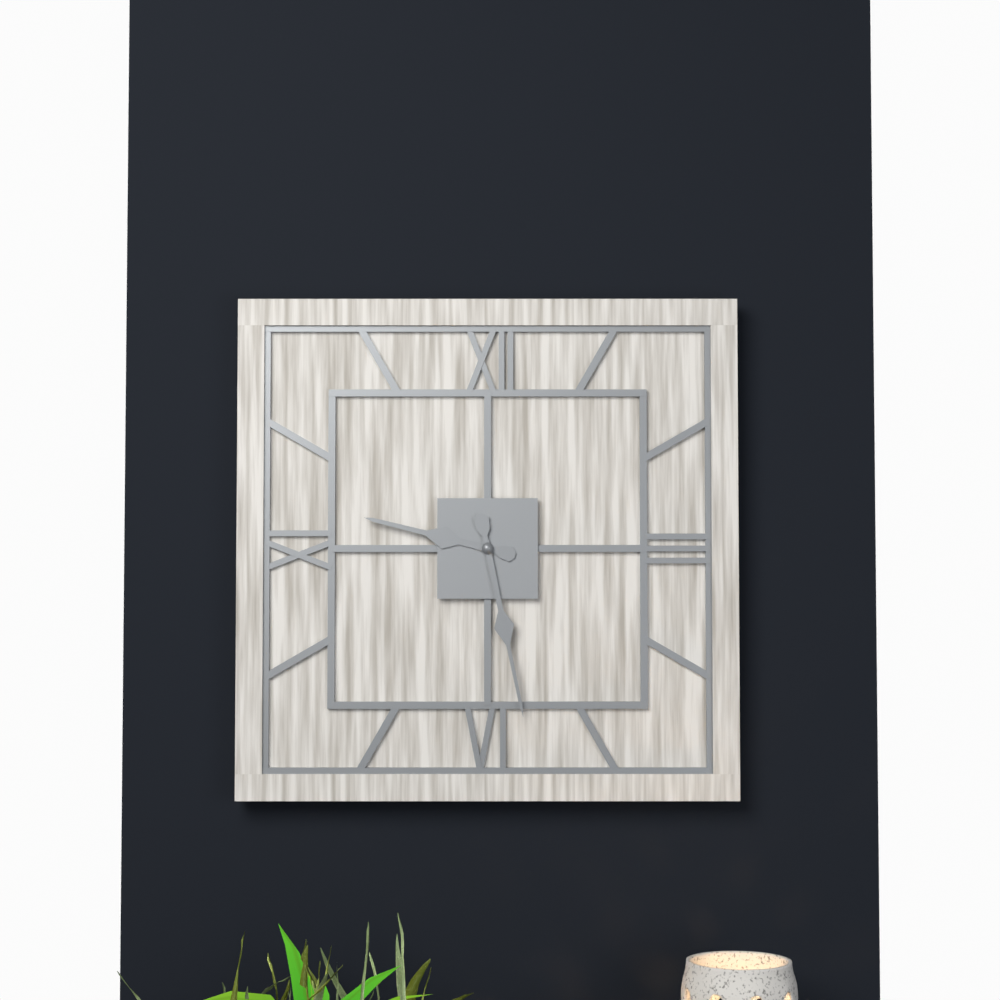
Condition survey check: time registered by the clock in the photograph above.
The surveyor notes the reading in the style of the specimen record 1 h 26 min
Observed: 9 h 28 min
